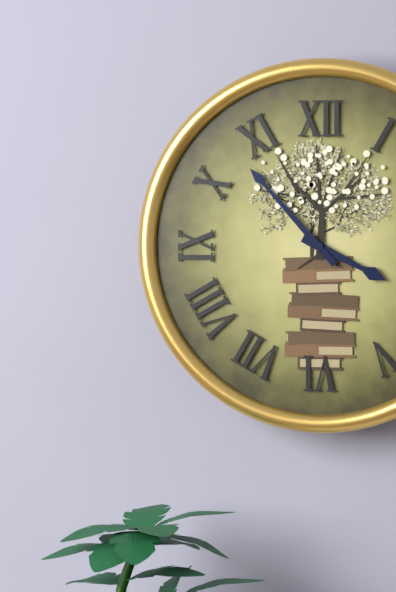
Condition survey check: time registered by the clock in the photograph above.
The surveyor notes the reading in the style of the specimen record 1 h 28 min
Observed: 3 h 53 min
